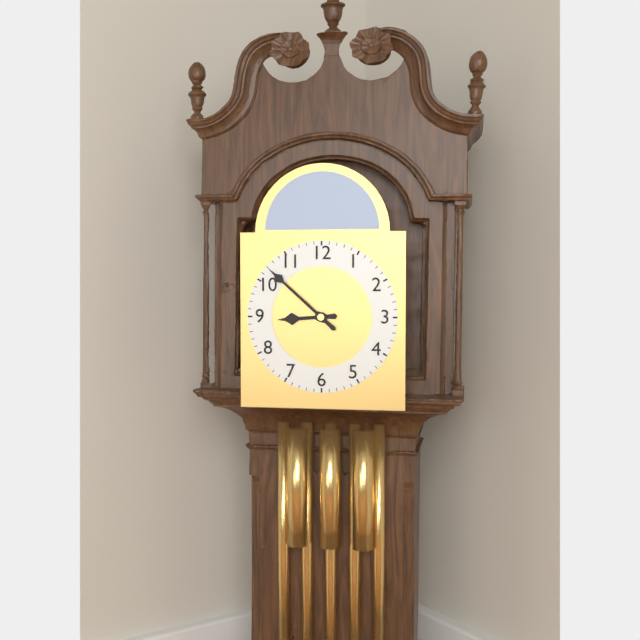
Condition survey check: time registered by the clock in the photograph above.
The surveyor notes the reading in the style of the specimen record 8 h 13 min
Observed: 8 h 52 min
